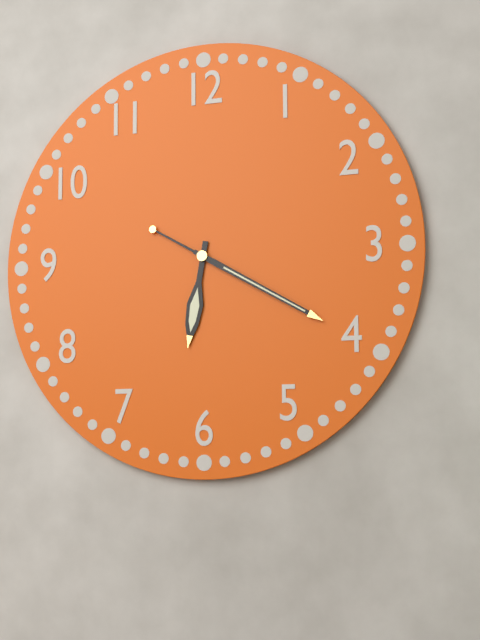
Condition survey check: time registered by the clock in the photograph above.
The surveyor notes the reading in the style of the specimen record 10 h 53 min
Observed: 6 h 20 min
